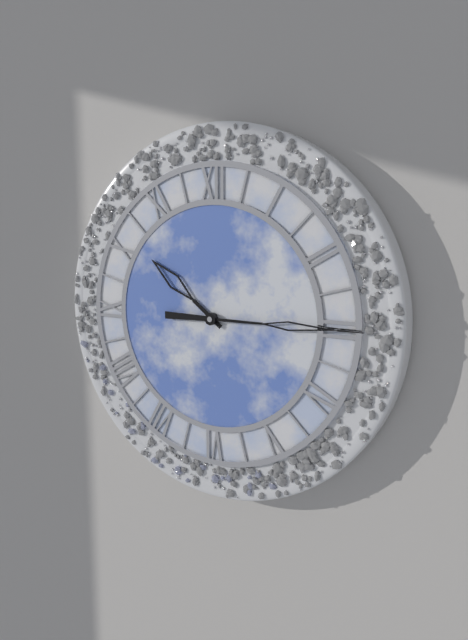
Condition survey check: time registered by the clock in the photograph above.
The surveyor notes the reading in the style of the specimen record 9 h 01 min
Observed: 10 h 15 min
